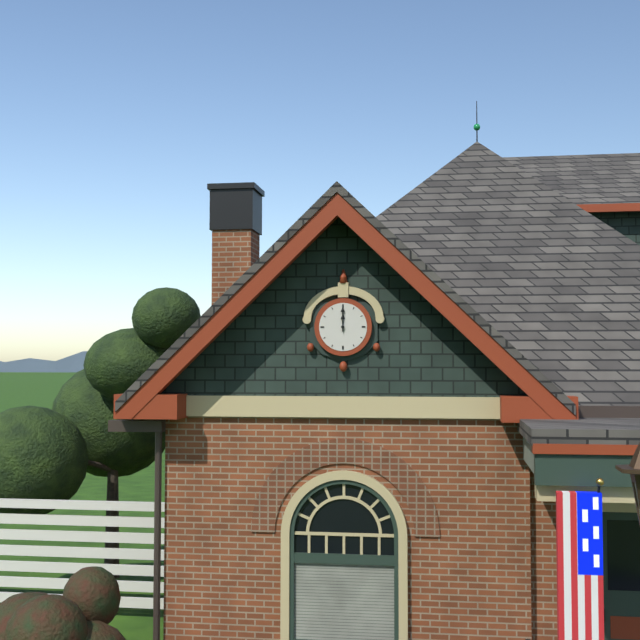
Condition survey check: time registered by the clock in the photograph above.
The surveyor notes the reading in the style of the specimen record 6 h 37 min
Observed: 12 h 00 min
